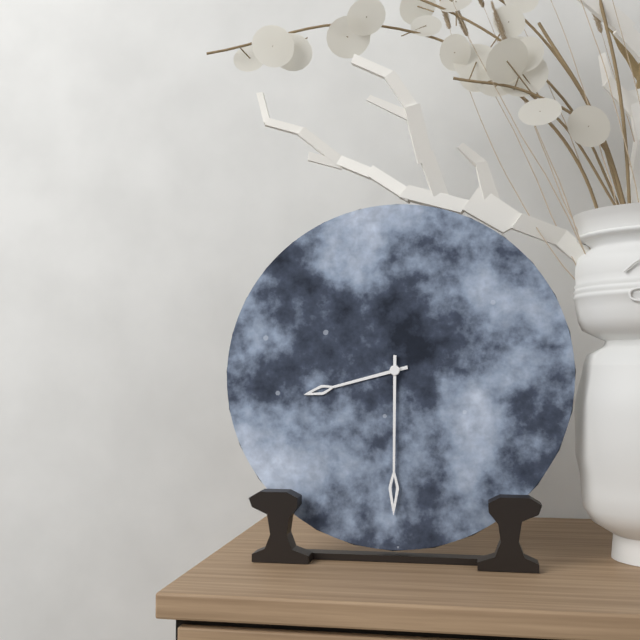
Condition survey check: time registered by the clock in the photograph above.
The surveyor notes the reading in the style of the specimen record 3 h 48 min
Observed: 8 h 30 min
